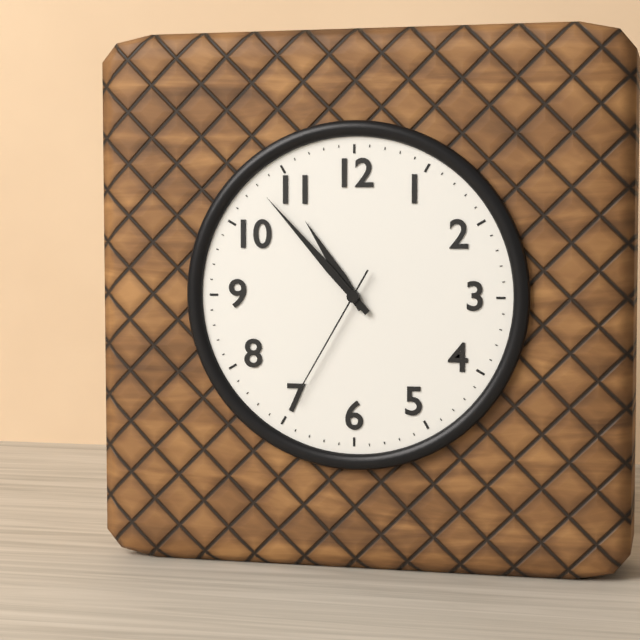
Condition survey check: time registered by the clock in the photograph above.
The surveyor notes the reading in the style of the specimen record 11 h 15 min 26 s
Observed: 10 h 53 min 35 s
